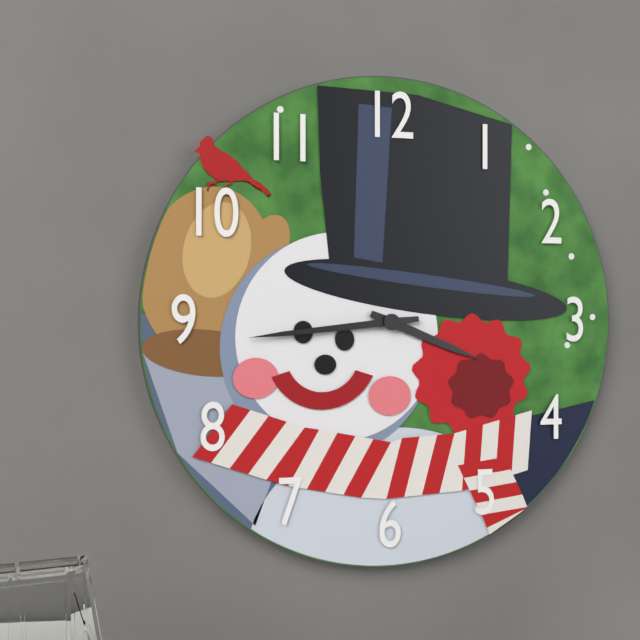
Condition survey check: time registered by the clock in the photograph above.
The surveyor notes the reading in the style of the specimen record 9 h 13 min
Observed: 3 h 44 min
